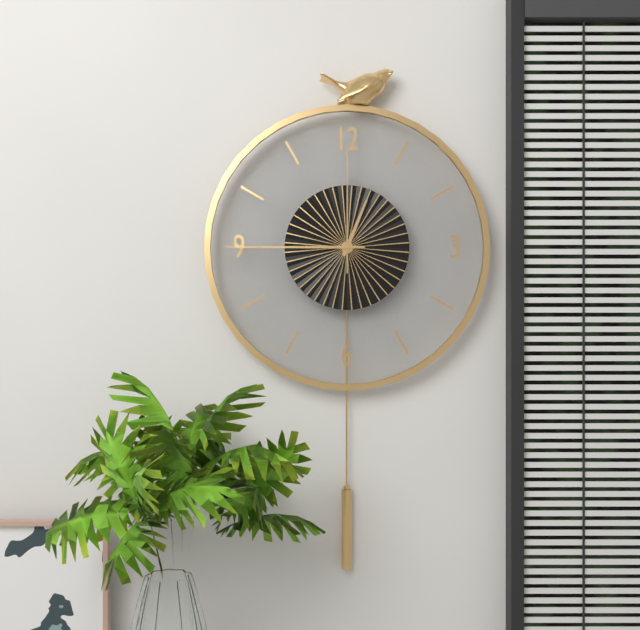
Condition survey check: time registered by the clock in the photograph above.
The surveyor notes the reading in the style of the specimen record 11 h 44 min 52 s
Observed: 12 h 45 min 00 s
